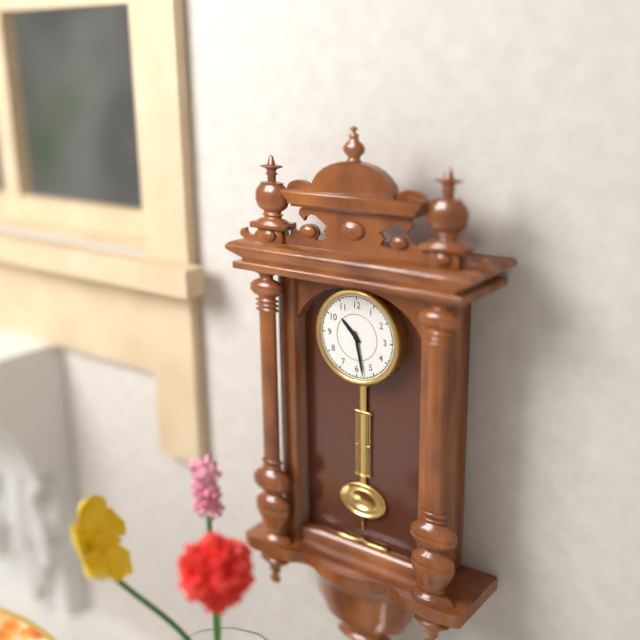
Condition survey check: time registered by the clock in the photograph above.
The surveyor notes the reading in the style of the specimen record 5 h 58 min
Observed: 10 h 28 min
